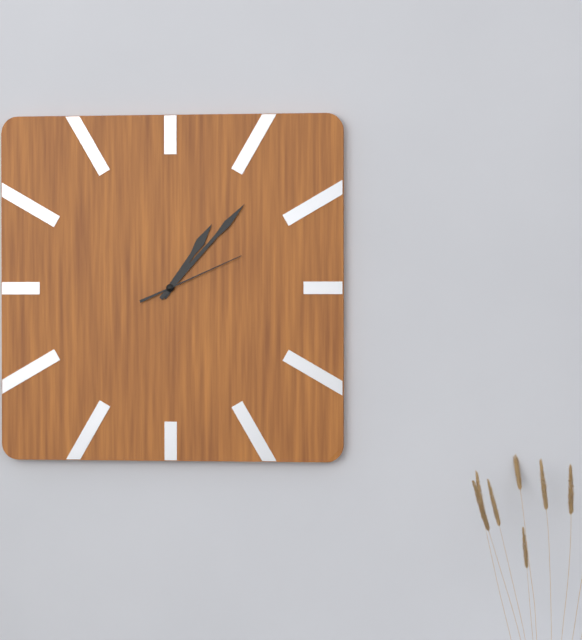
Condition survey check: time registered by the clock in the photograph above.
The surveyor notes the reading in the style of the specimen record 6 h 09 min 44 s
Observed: 1 h 07 min 11 s
